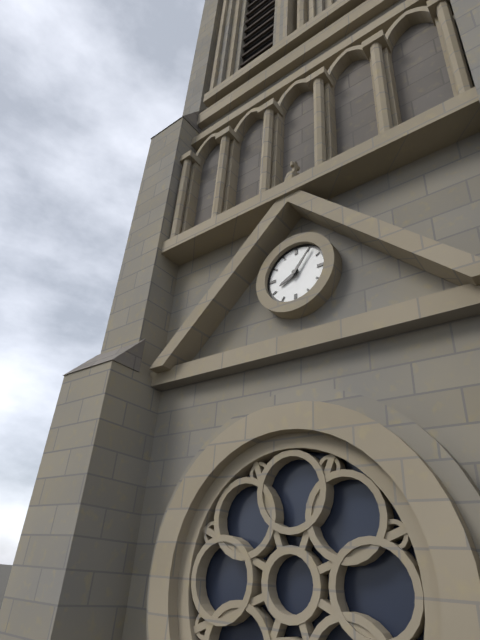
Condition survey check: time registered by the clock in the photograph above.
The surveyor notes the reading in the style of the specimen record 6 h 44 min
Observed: 8 h 06 min
